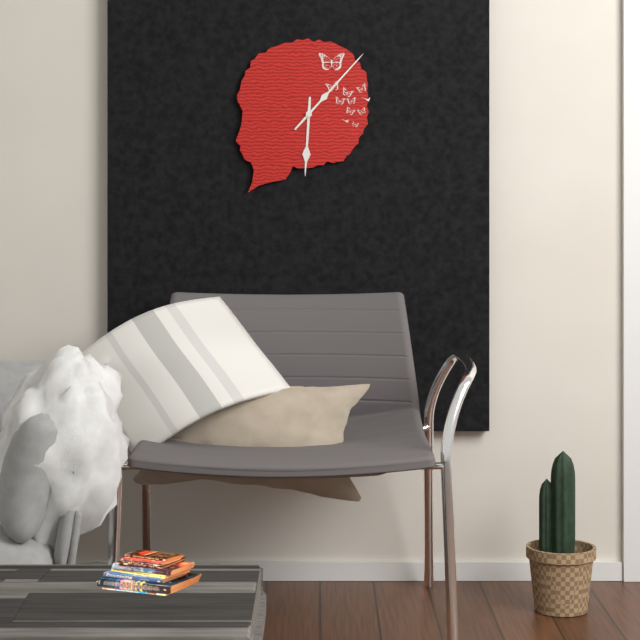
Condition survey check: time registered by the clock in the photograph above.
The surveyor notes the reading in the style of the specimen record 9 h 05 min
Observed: 6 h 07 min
